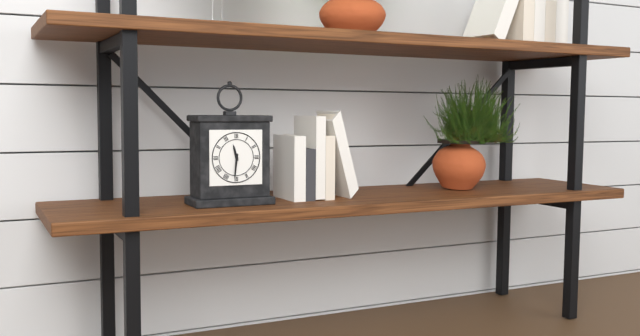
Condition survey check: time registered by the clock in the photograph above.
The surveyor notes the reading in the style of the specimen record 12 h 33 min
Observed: 11 h 31 min
